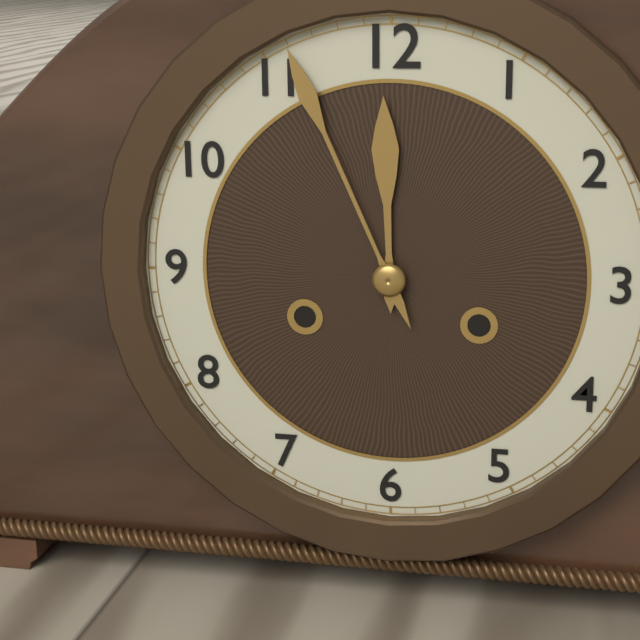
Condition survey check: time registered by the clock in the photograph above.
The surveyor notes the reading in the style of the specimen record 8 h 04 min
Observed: 11 h 56 min
